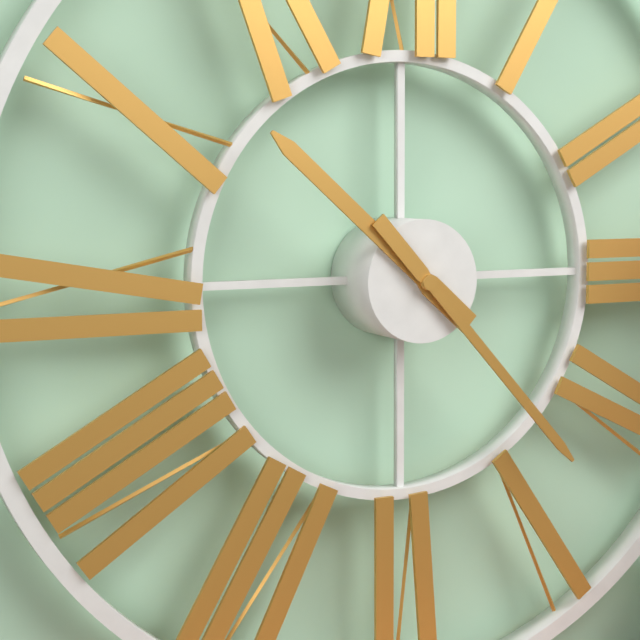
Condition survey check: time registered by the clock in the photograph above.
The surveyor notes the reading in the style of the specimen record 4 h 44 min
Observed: 10 h 23 min
